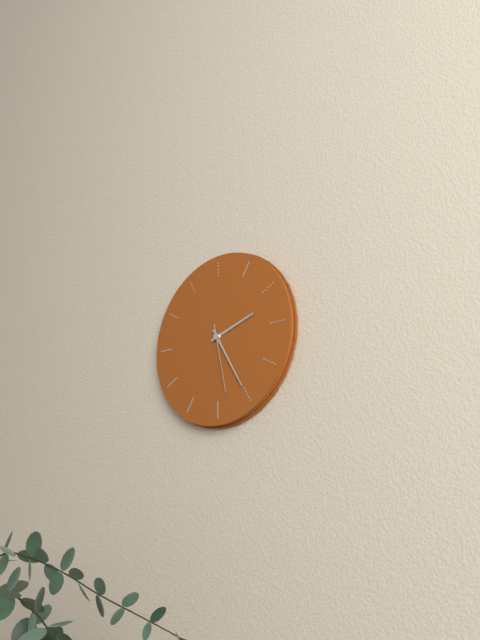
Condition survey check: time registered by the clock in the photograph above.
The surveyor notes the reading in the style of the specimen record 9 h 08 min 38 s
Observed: 2 h 25 min 28 s
